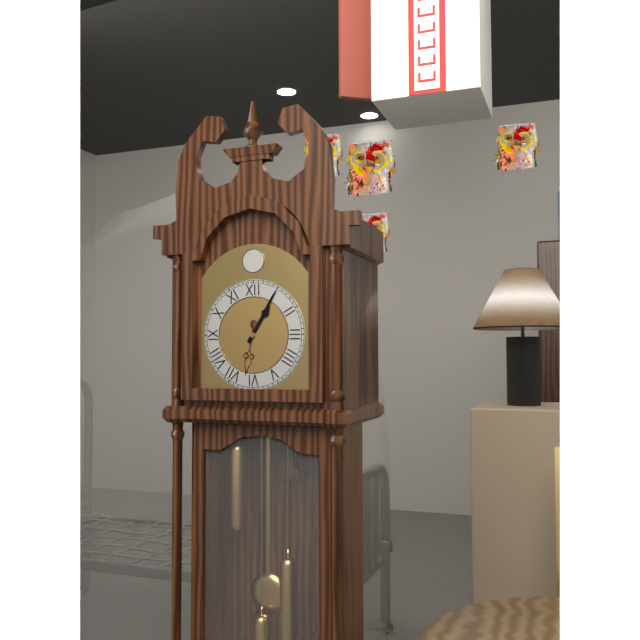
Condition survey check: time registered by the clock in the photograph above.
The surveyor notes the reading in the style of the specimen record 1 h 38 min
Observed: 1 h 05 min
